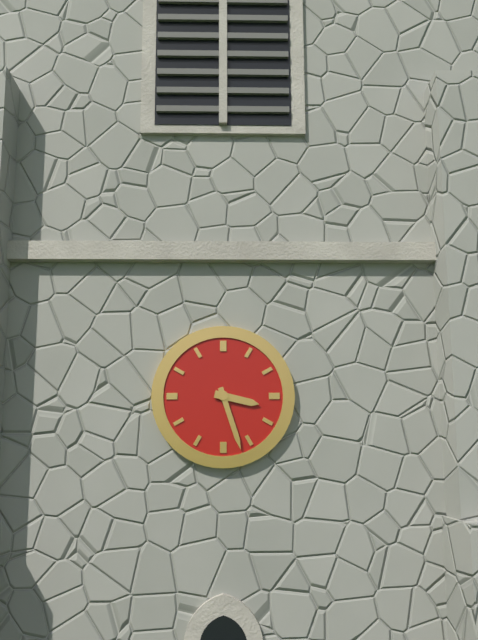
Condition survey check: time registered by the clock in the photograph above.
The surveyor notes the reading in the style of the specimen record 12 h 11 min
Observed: 3 h 27 min
